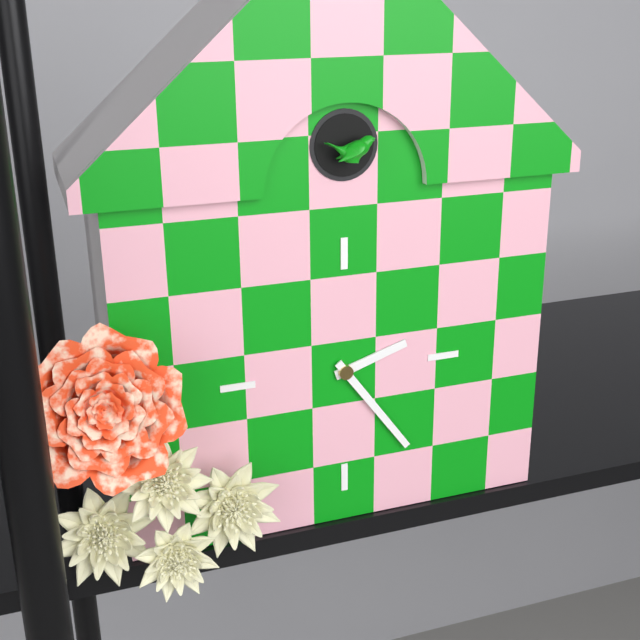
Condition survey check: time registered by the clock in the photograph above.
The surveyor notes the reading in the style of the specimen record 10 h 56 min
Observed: 2 h 24 min
